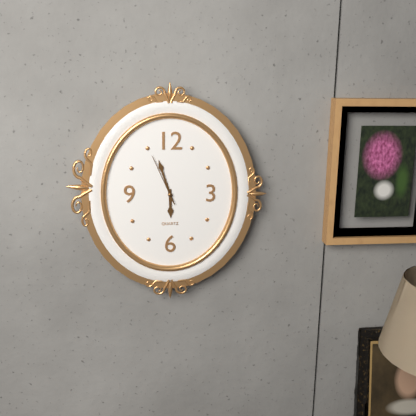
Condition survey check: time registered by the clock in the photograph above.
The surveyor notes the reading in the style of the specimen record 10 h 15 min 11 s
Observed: 5 h 57 min 56 s
